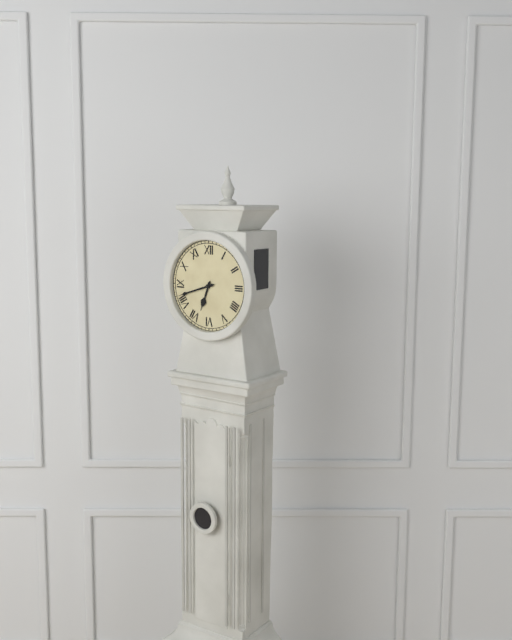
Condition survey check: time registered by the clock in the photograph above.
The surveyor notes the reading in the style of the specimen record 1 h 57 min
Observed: 6 h 42 min
